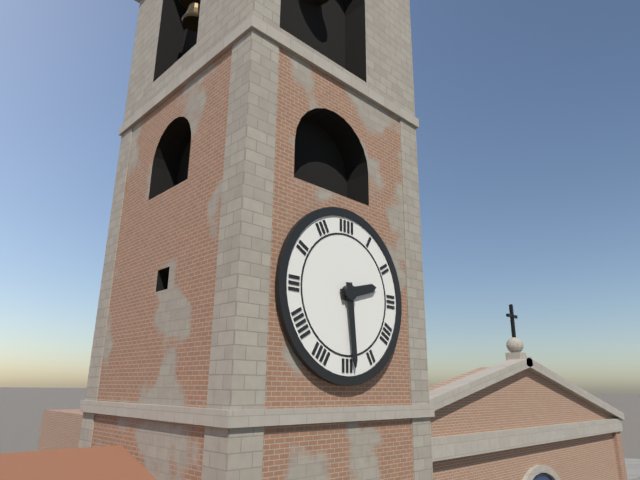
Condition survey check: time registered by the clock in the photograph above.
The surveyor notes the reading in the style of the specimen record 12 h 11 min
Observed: 2 h 29 min
